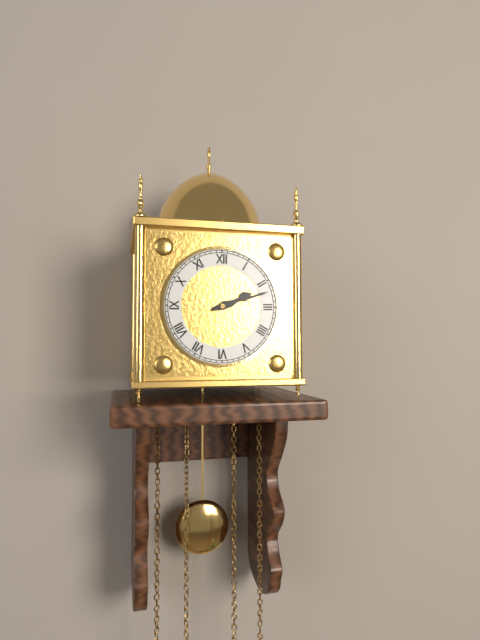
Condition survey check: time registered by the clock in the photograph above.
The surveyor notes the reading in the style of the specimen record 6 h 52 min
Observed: 2 h 12 min
